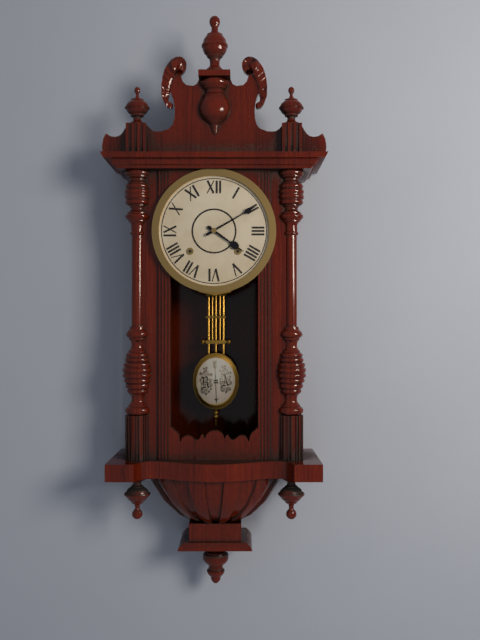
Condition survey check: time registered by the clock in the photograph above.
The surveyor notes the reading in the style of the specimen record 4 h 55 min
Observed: 4 h 10 min
